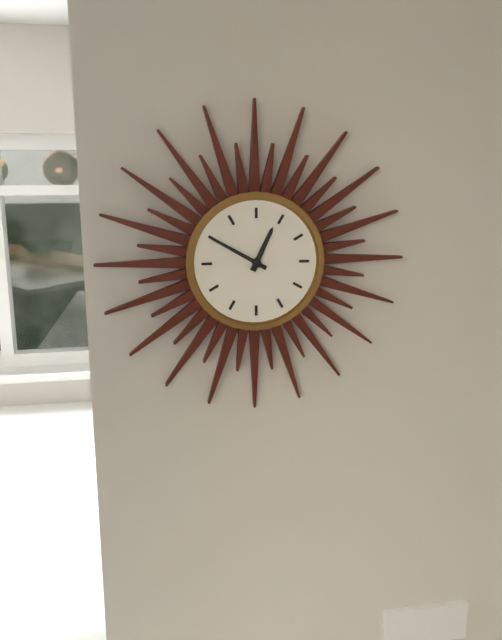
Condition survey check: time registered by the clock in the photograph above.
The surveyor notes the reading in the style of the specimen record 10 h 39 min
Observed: 12 h 50 min
